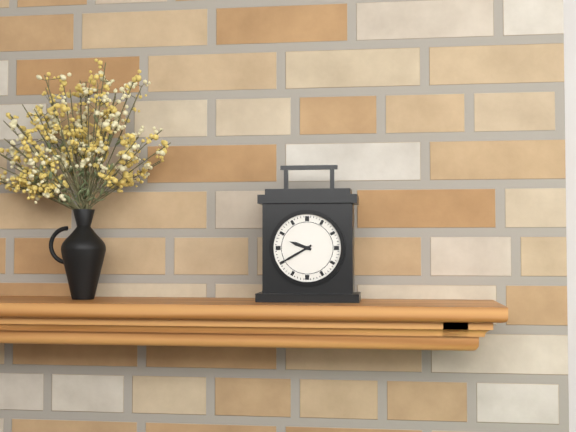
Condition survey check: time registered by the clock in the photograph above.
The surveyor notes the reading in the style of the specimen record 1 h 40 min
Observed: 9 h 40 min
